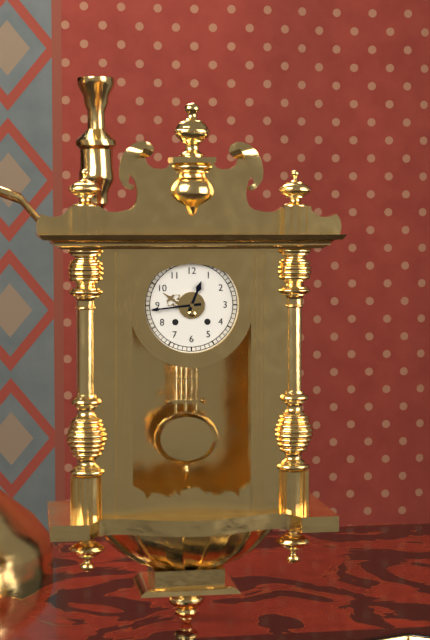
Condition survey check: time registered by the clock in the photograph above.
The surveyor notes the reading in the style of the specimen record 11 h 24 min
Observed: 12 h 44 min
